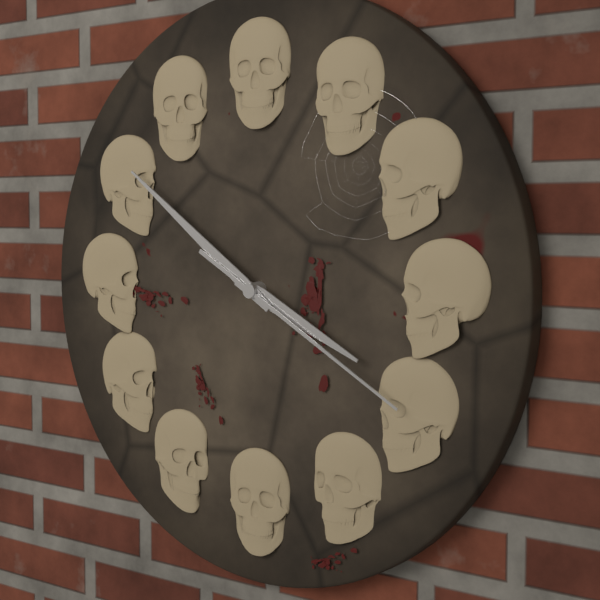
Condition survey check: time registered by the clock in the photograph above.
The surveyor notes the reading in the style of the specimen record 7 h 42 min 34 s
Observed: 3 h 51 min 20 s
